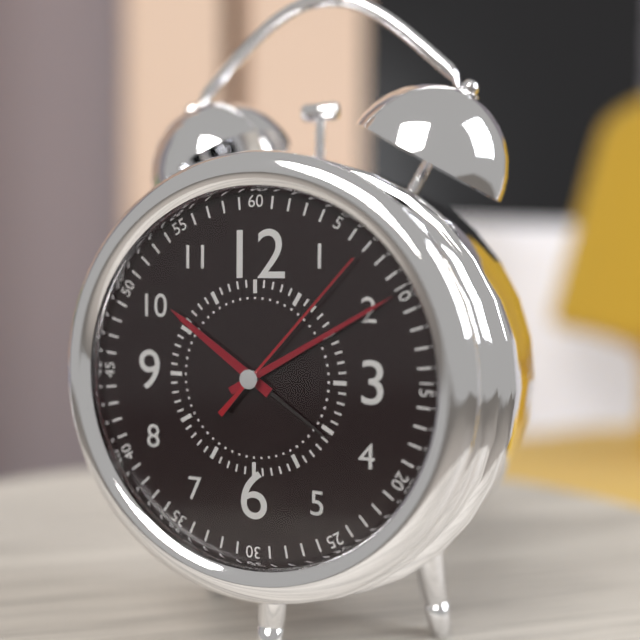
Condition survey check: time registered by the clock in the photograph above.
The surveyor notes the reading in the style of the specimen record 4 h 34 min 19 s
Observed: 10 h 10 min 07 s
